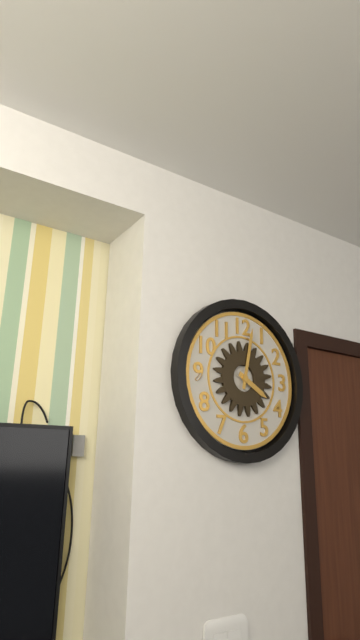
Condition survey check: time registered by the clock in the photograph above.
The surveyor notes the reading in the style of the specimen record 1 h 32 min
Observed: 4 h 02 min
